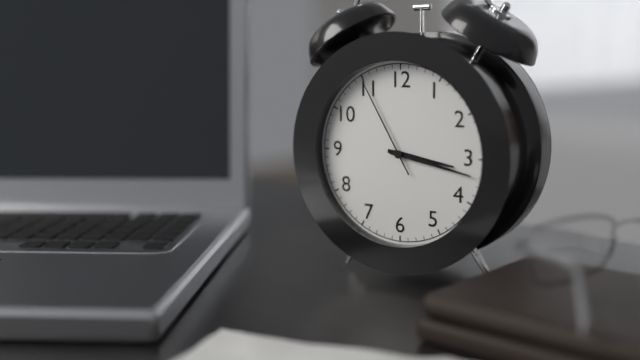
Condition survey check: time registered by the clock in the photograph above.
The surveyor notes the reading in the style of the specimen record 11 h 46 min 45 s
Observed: 3 h 17 min 55 s
